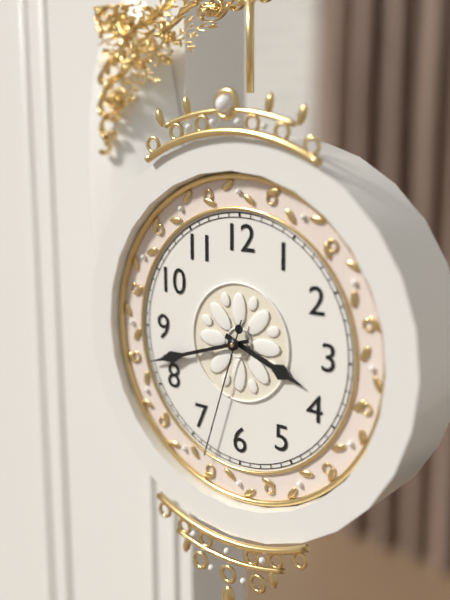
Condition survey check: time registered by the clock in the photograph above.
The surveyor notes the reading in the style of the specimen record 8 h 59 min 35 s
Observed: 3 h 42 min 33 s
